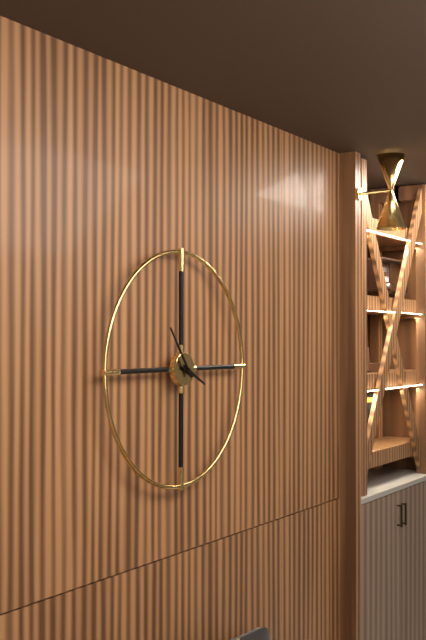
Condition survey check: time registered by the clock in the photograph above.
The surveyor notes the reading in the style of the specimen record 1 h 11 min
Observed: 3 h 54 min
